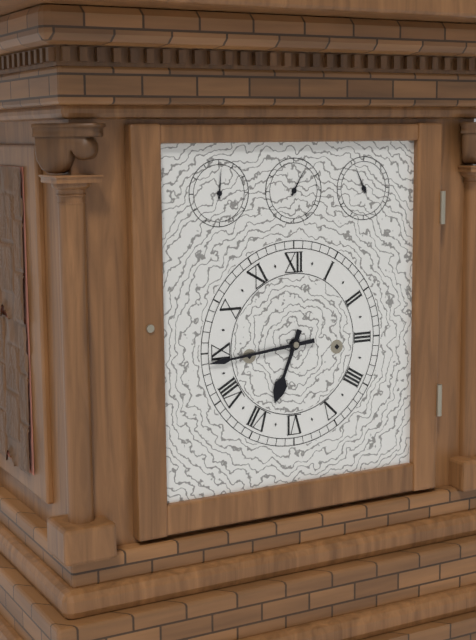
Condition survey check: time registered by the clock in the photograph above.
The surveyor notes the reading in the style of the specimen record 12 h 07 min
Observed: 6 h 44 min
